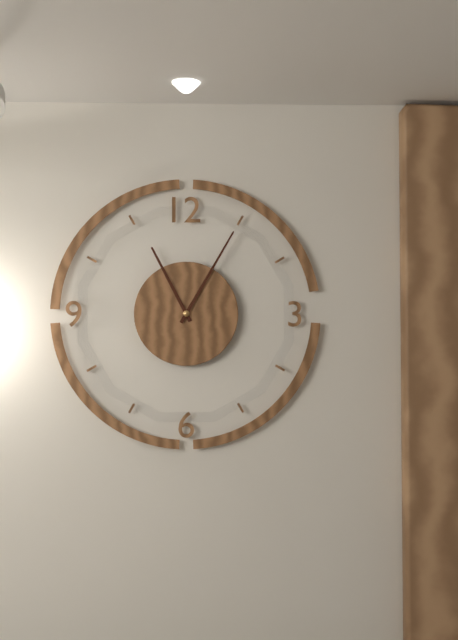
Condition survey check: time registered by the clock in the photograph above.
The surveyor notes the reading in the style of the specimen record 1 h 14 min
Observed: 11 h 05 min
